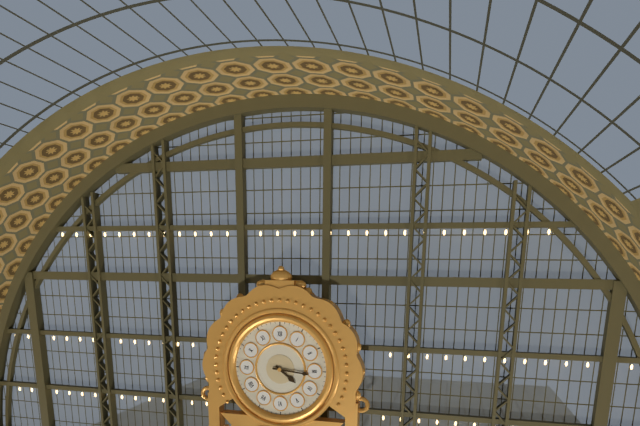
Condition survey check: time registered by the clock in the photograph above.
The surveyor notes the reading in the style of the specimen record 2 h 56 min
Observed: 4 h 16 min
